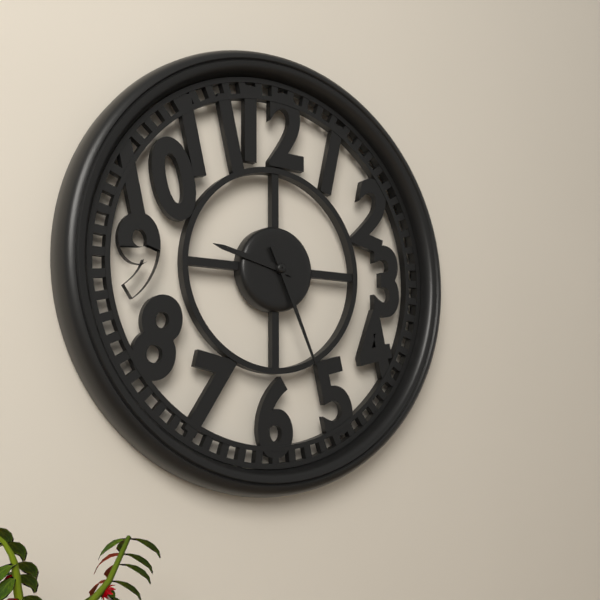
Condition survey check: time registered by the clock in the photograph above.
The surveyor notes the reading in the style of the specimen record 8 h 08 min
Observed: 9 h 26 min
